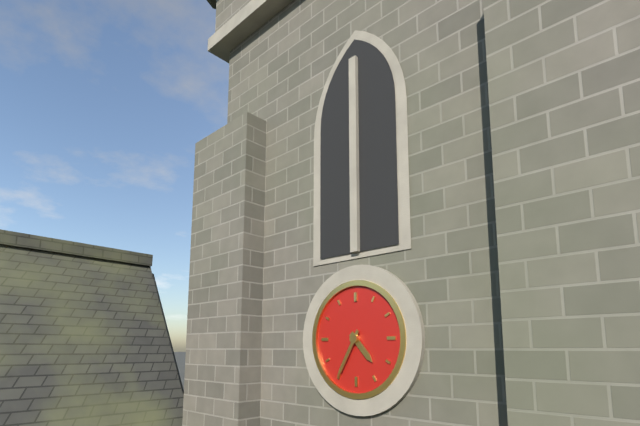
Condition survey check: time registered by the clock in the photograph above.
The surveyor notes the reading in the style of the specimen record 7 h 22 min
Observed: 4 h 35 min
